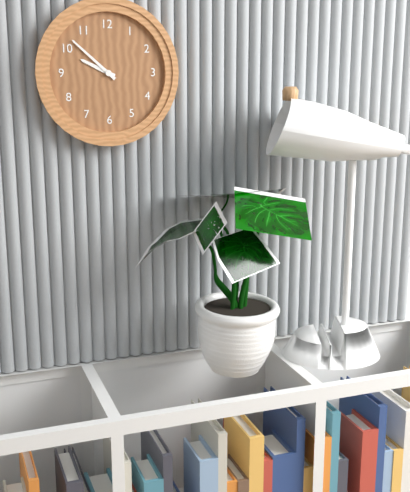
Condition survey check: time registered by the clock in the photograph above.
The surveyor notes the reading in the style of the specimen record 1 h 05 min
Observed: 9 h 52 min
